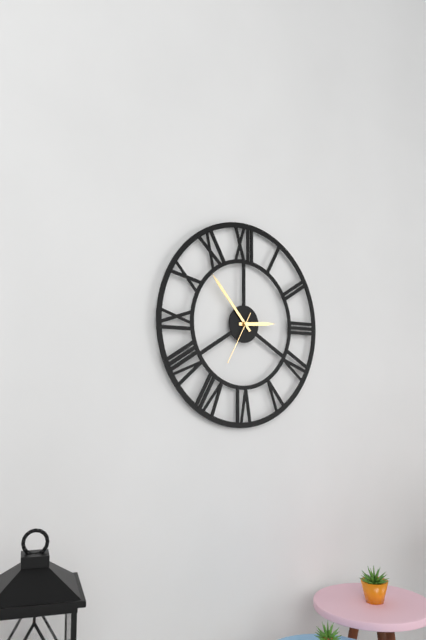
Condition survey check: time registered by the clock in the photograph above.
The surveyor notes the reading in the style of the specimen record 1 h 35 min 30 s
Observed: 2 h 53 min 35 s
